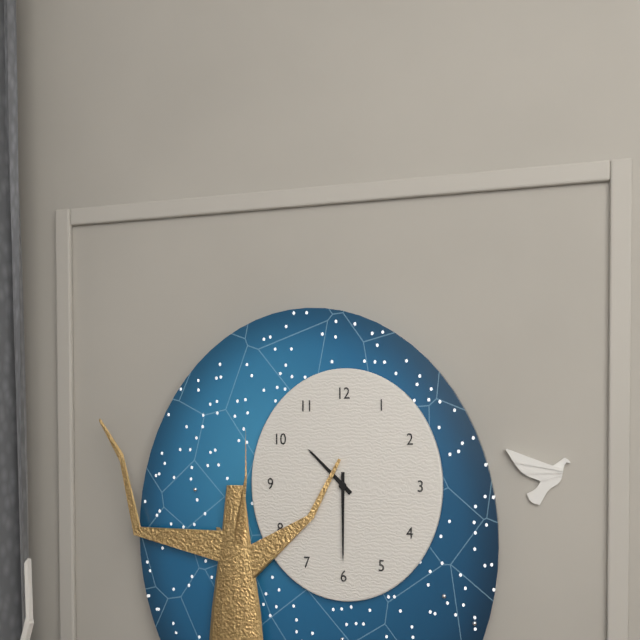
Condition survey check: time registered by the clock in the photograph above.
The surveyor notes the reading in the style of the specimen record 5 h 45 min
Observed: 10 h 30 min
